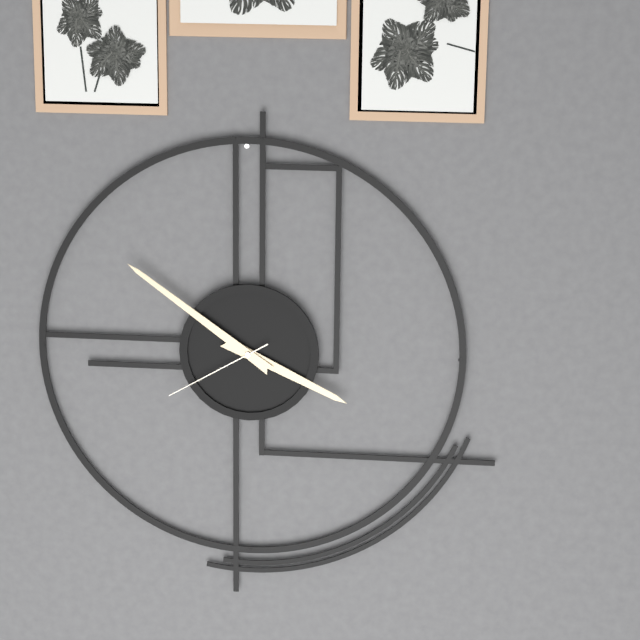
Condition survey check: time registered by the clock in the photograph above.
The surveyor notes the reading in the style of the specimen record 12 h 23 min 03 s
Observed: 3 h 51 min 40 s
